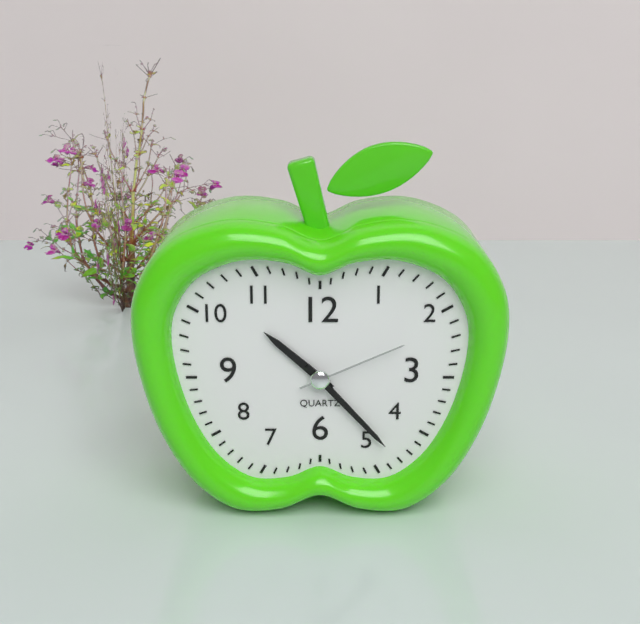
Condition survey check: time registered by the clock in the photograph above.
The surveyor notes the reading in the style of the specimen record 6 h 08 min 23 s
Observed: 10 h 23 min 11 s
